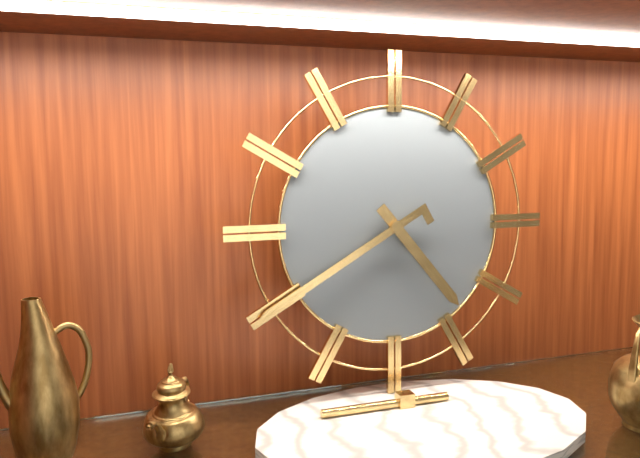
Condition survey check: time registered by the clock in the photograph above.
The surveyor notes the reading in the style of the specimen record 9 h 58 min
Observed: 4 h 40 min
